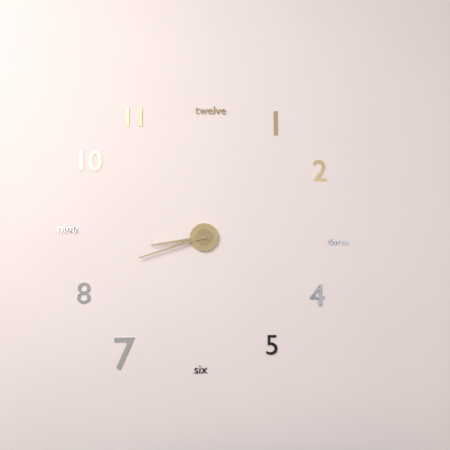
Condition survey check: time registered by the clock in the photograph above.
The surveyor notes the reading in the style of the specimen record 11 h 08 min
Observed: 8 h 42 min
